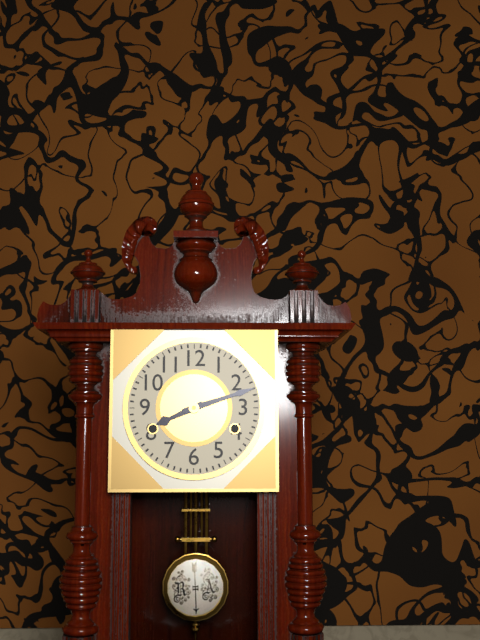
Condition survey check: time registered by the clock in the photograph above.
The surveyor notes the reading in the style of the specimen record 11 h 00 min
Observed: 8 h 12 min
